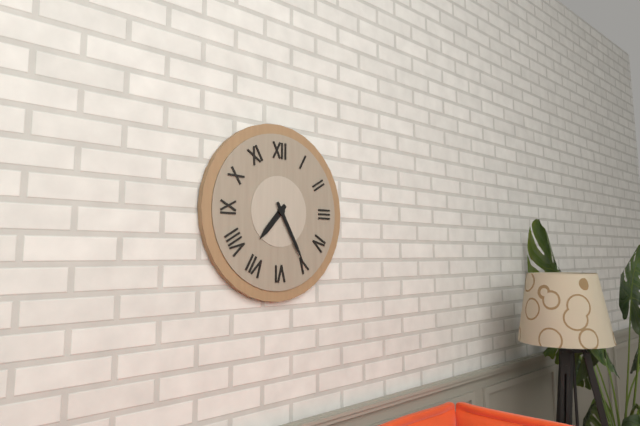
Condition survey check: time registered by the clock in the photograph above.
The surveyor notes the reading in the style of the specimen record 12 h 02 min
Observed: 7 h 25 min
